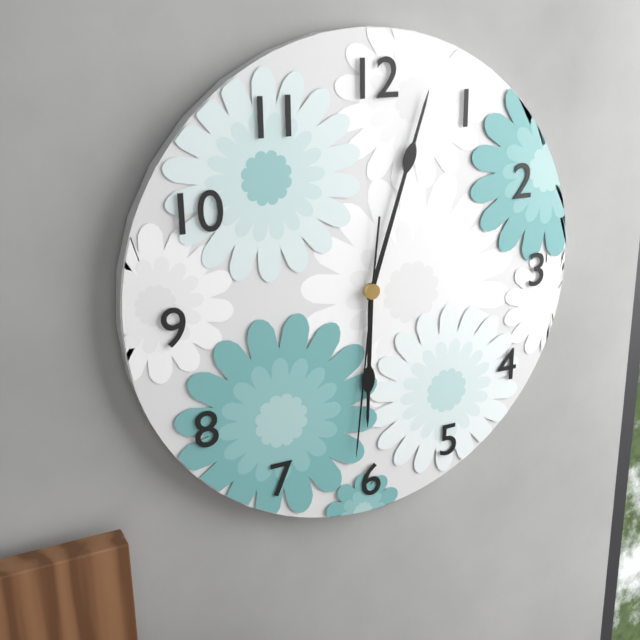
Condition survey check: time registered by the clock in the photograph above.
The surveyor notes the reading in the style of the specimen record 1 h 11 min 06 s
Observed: 6 h 03 min 31 s
